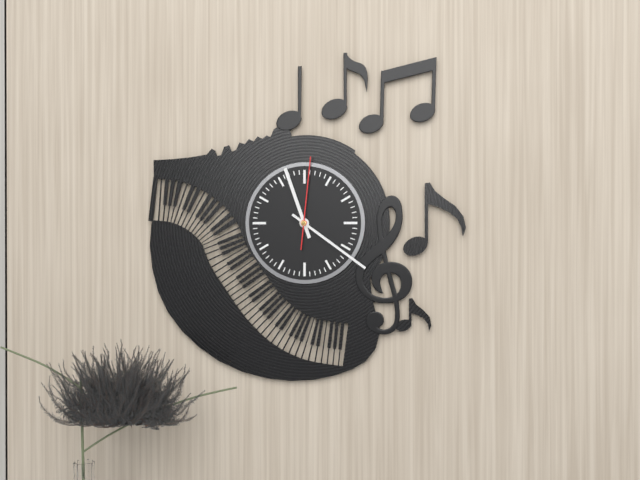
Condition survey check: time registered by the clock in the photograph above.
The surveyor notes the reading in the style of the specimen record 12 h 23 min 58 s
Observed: 11 h 21 min 01 s
